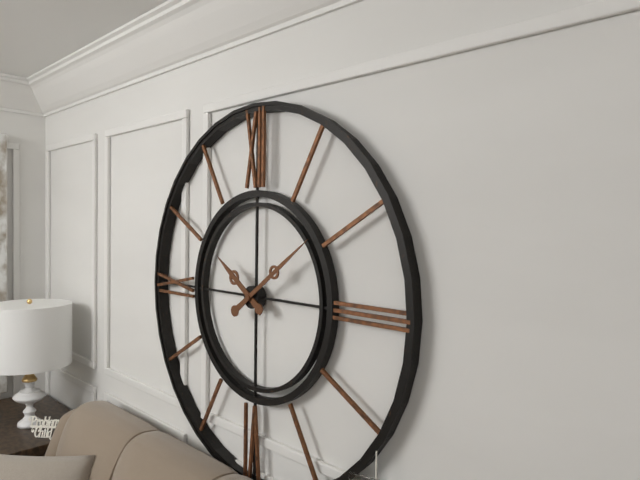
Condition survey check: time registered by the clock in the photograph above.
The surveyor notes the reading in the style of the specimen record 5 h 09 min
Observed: 10 h 09 min
